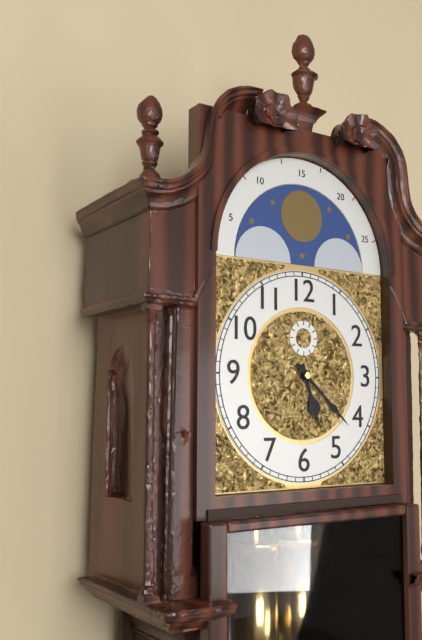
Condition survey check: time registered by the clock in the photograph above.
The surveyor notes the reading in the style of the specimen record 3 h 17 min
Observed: 5 h 22 min
